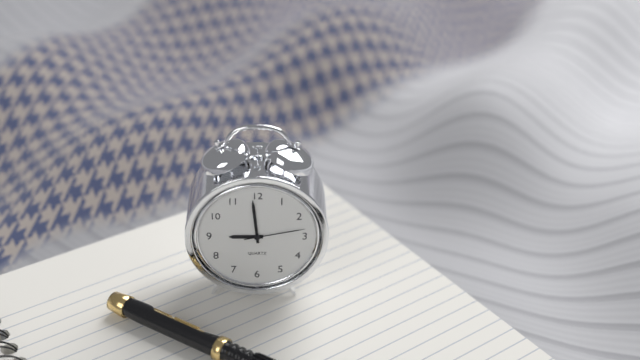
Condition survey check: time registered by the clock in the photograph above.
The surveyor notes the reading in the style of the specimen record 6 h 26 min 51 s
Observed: 8 h 59 min 13 s
